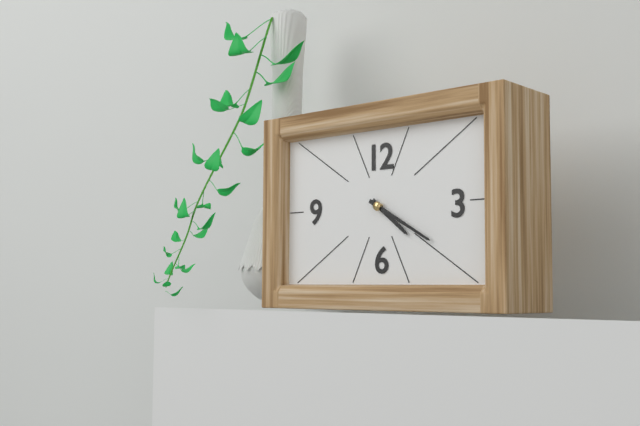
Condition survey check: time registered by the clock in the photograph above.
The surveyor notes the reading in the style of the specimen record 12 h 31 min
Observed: 4 h 20 min
